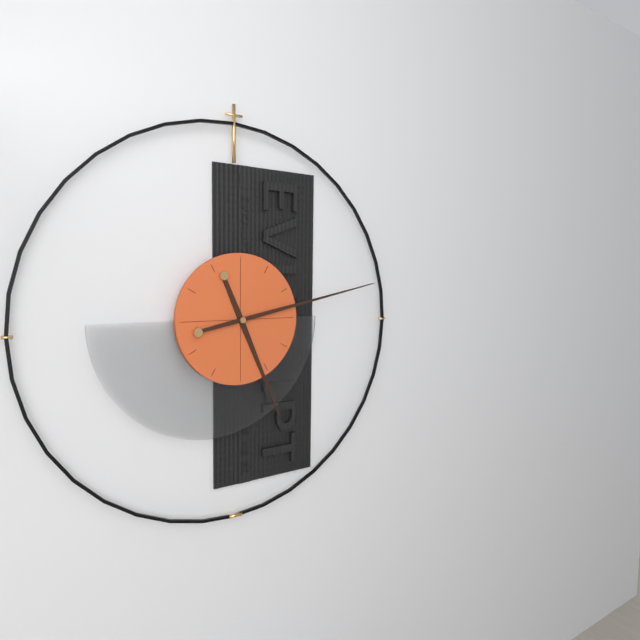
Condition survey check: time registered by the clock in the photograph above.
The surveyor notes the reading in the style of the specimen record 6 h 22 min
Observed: 5 h 13 min
